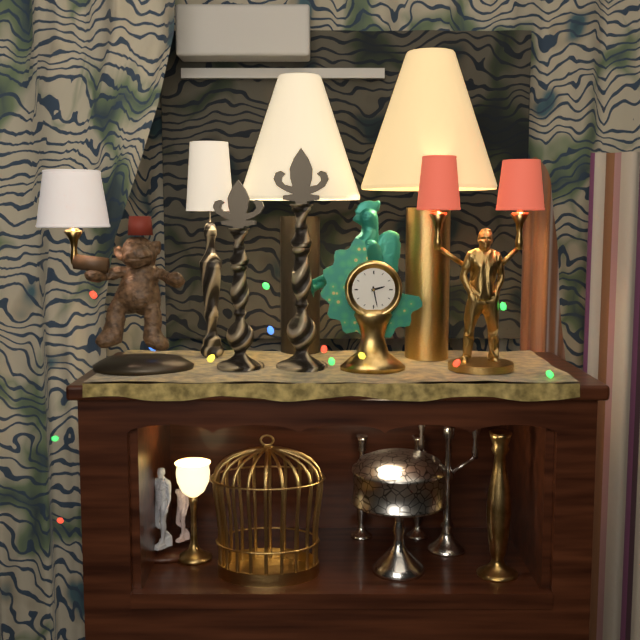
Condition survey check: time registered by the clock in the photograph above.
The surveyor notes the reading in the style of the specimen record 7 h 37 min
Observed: 2 h 28 min
